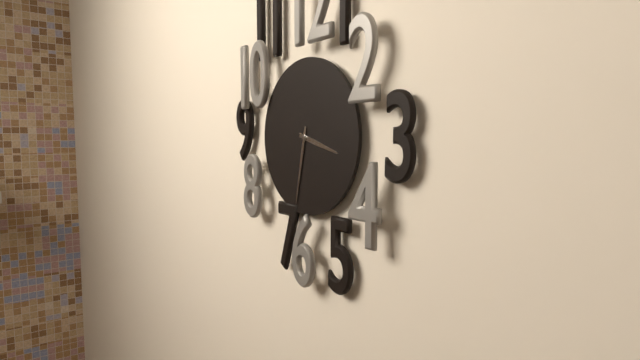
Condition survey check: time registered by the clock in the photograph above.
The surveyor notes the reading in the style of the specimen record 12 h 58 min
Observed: 3 h 32 min
